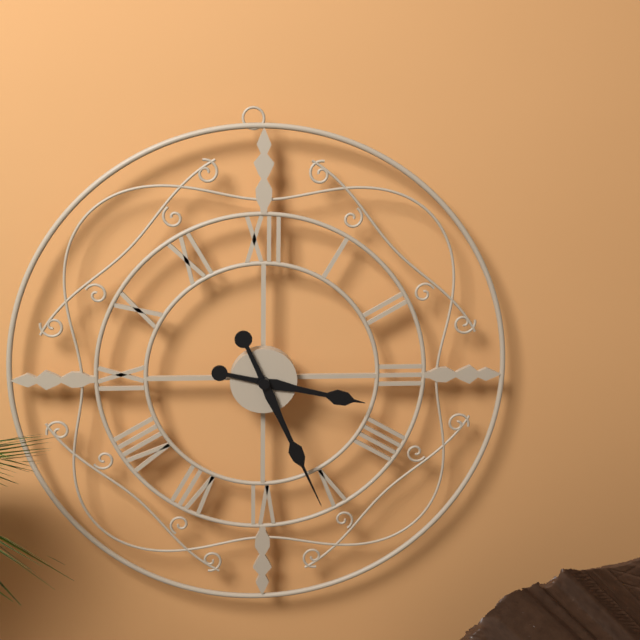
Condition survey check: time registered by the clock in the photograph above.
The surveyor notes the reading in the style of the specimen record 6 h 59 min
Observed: 3 h 26 min
